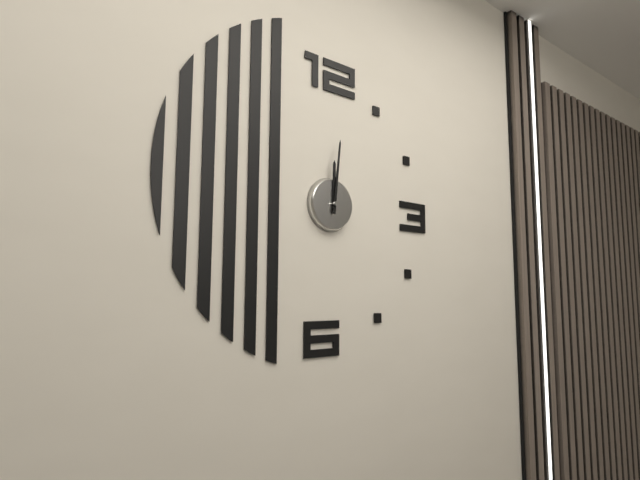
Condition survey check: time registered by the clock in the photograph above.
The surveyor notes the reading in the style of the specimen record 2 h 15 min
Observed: 12 h 01 min
